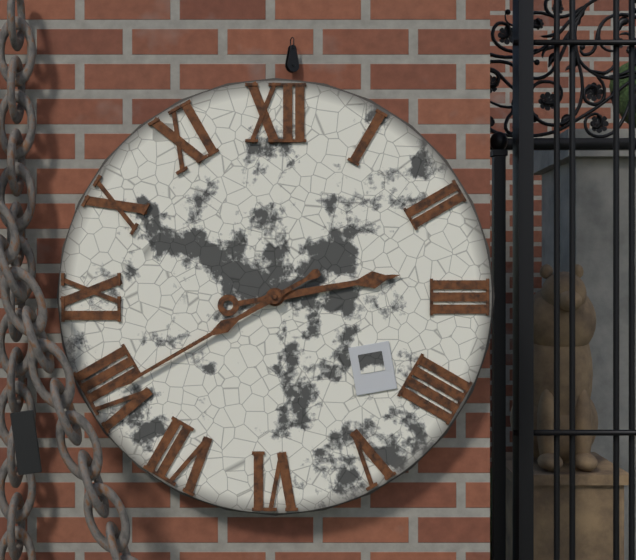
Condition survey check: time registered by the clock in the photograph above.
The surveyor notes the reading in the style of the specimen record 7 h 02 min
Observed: 2 h 40 min
